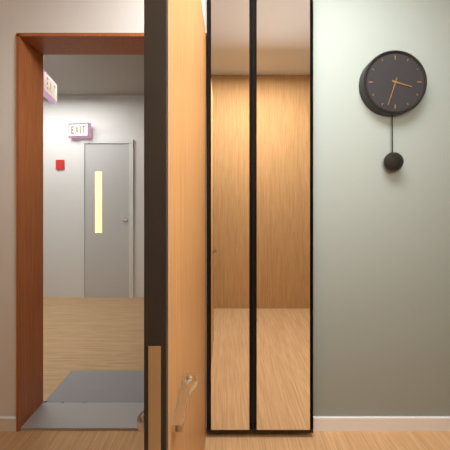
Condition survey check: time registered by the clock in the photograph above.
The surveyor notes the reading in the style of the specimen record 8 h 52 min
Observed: 3 h 33 min
